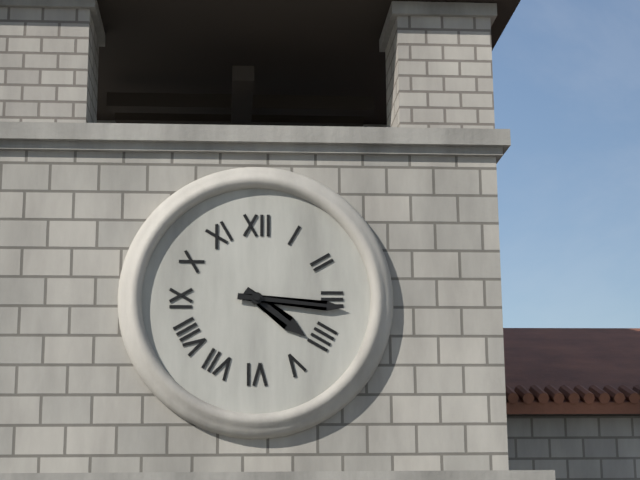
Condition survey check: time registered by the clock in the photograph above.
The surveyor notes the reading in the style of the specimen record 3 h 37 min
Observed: 4 h 16 min
